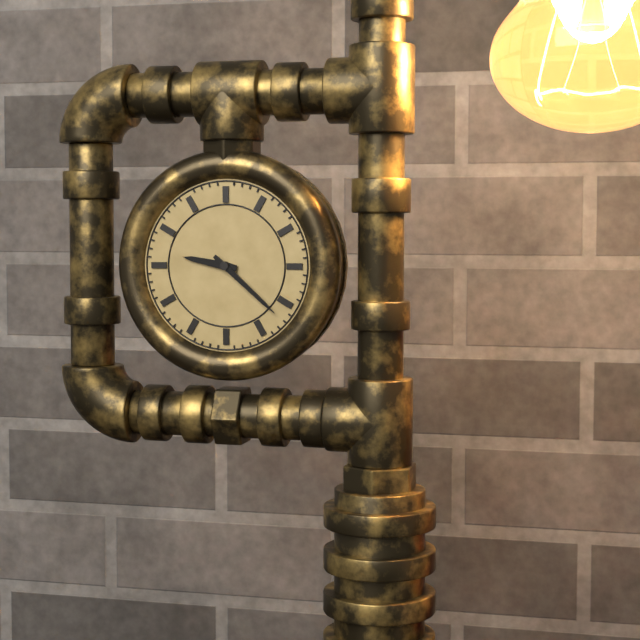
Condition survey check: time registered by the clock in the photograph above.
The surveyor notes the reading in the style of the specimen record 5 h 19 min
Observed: 9 h 22 min
